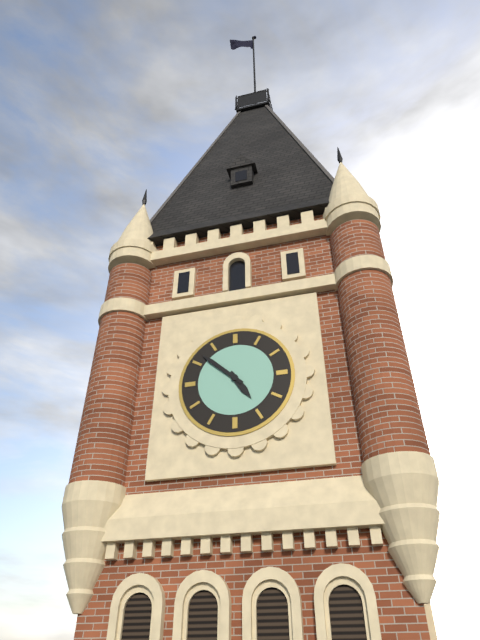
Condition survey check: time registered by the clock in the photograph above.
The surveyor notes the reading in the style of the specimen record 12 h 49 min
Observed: 4 h 52 min
